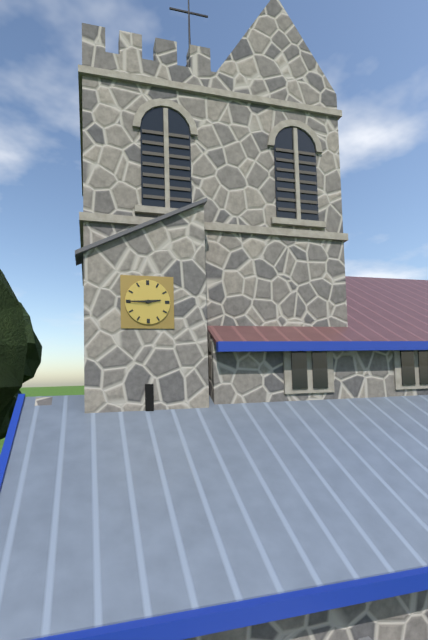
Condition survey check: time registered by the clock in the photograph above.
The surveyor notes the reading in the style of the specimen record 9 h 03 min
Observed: 2 h 45 min
